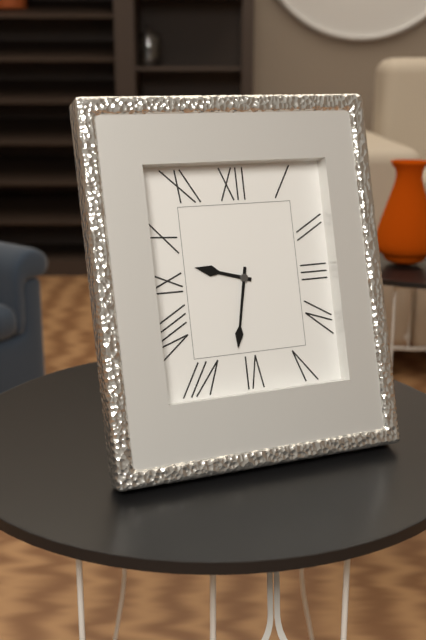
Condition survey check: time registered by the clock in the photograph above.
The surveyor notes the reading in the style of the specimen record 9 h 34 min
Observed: 9 h 32 min
